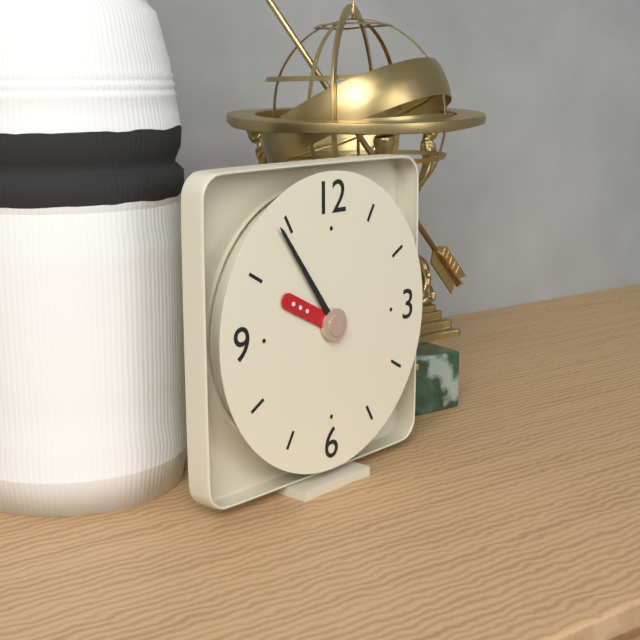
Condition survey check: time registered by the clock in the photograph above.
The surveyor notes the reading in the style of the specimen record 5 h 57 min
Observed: 9 h 54 min
